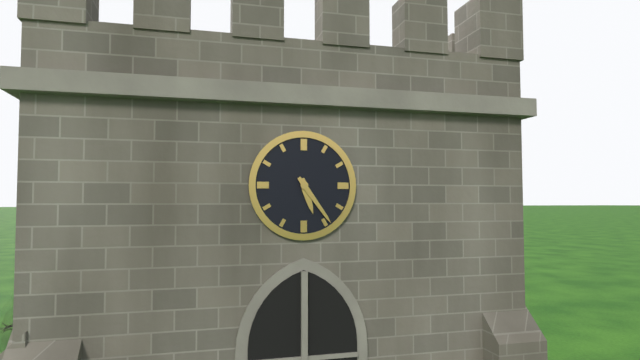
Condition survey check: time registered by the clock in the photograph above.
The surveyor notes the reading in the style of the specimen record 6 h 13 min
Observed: 5 h 24 min
